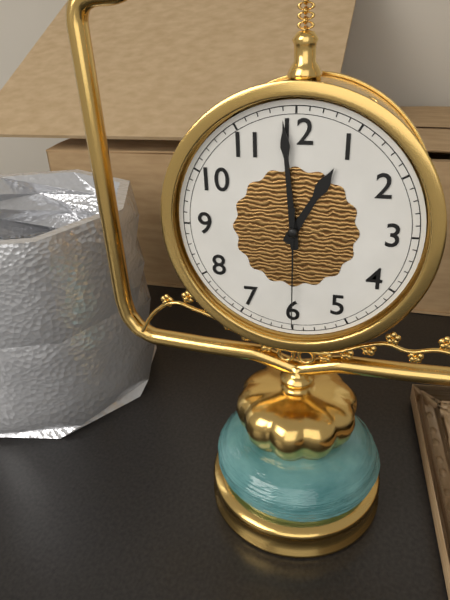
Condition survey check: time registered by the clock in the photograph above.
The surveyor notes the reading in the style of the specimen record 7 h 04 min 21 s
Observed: 12 h 59 min 30 s
